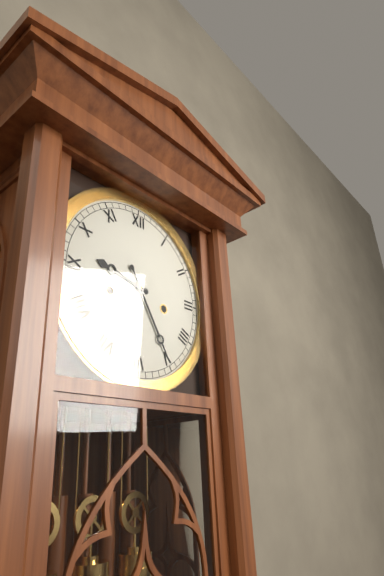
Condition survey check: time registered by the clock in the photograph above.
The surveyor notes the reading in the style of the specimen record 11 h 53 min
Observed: 9 h 25 min
